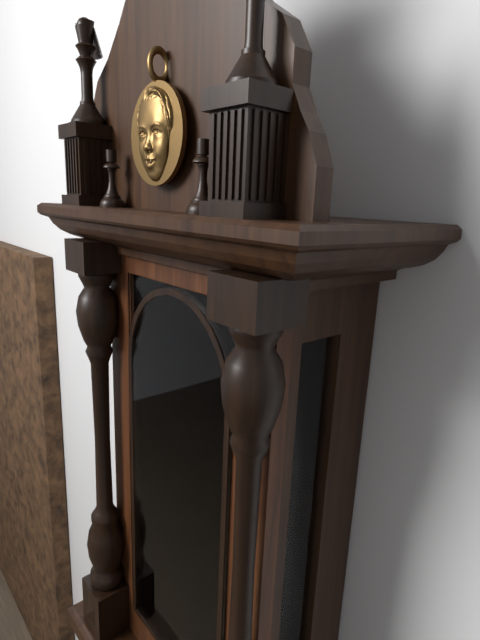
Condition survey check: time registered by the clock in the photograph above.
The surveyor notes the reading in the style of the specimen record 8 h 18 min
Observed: 9 h 50 min
